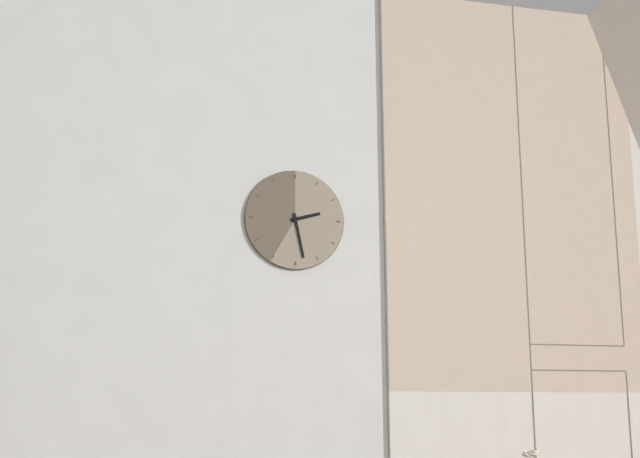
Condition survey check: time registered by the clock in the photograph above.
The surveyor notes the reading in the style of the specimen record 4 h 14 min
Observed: 2 h 28 min
